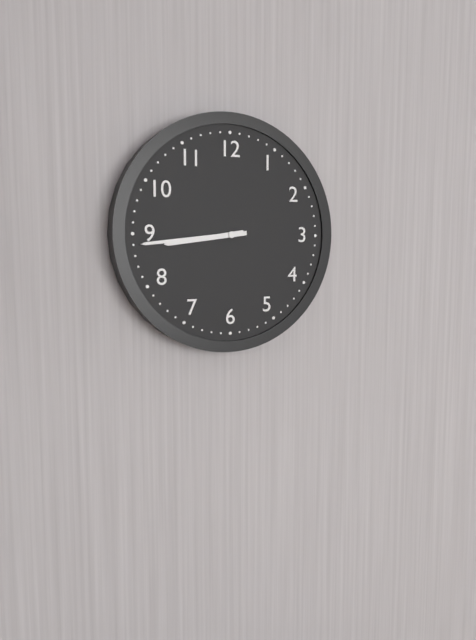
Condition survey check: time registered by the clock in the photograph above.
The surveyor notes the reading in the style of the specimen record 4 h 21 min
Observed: 8 h 44 min
